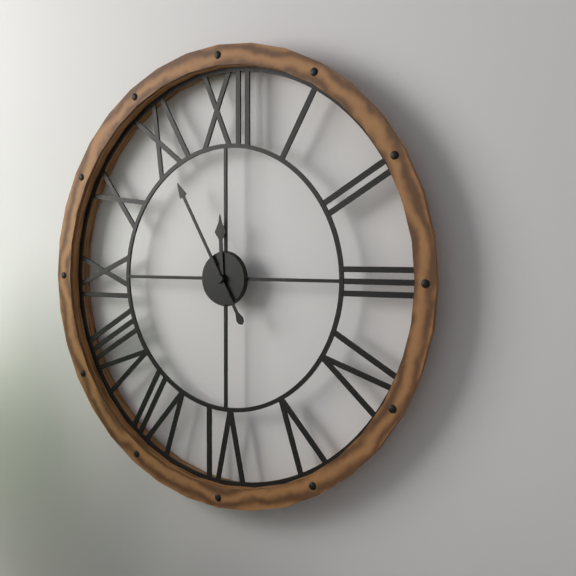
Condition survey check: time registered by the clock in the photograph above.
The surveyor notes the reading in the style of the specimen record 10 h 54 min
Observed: 11 h 55 min
